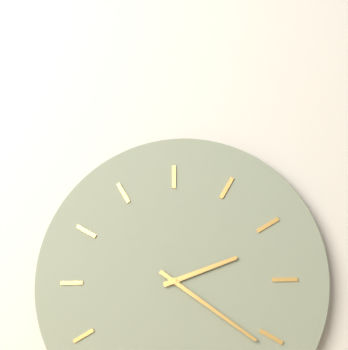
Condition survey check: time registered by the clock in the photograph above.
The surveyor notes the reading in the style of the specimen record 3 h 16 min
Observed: 2 h 21 min
